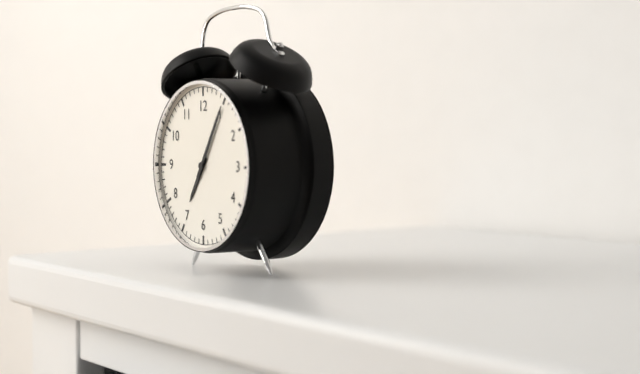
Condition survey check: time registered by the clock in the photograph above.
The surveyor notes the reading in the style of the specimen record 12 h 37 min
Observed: 7 h 05 min
